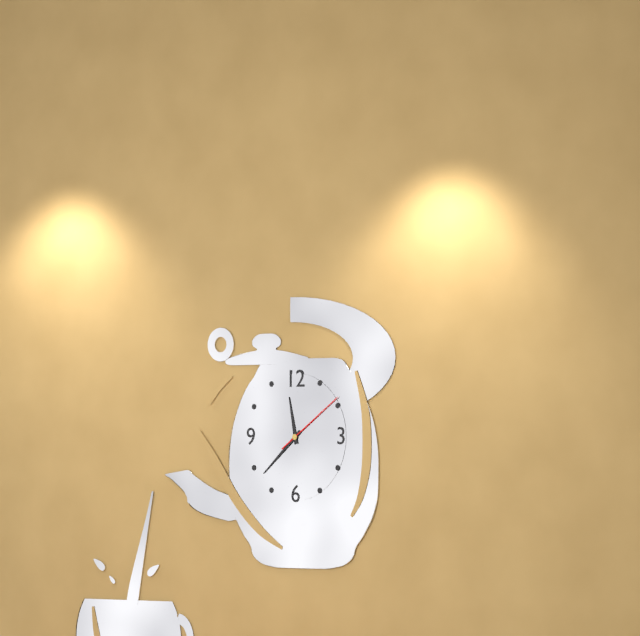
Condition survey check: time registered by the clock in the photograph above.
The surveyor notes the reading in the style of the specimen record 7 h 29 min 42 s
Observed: 11 h 38 min 09 s
